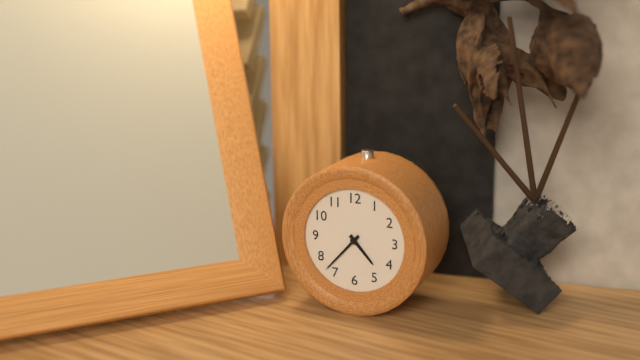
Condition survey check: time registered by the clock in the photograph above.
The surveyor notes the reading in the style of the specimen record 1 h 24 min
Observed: 4 h 37 min
